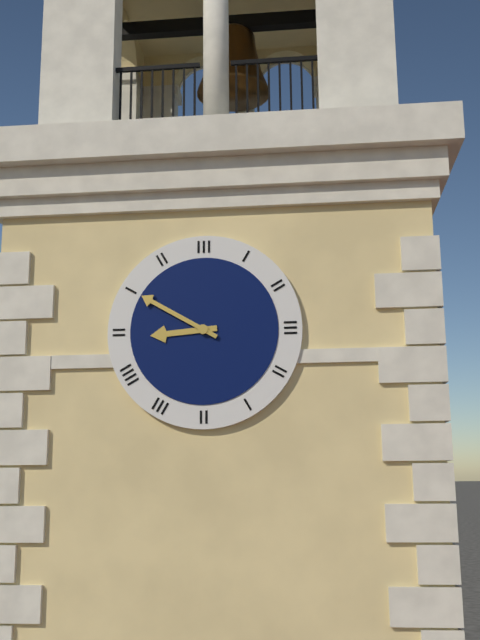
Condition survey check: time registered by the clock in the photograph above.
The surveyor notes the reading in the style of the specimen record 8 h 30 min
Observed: 8 h 50 min
